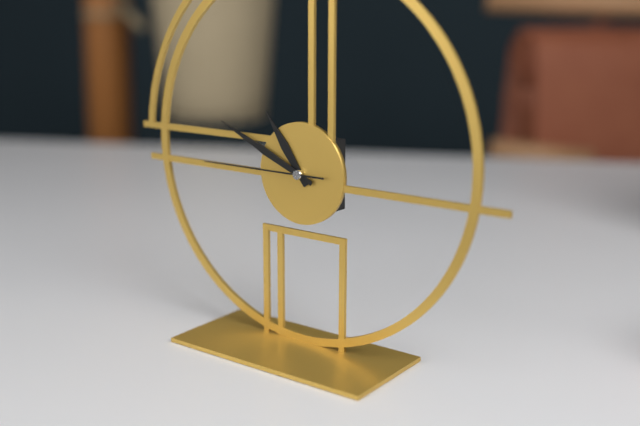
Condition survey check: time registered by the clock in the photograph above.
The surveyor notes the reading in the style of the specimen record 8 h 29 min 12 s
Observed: 10 h 49 min 45 s
